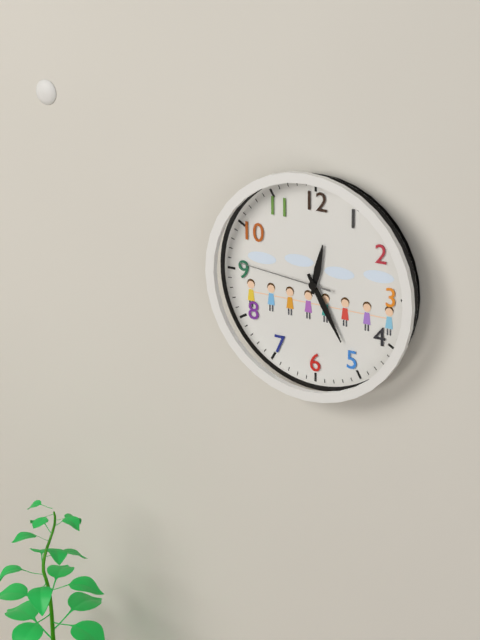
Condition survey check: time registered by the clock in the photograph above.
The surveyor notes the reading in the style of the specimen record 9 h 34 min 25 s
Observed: 12 h 25 min 46 s
